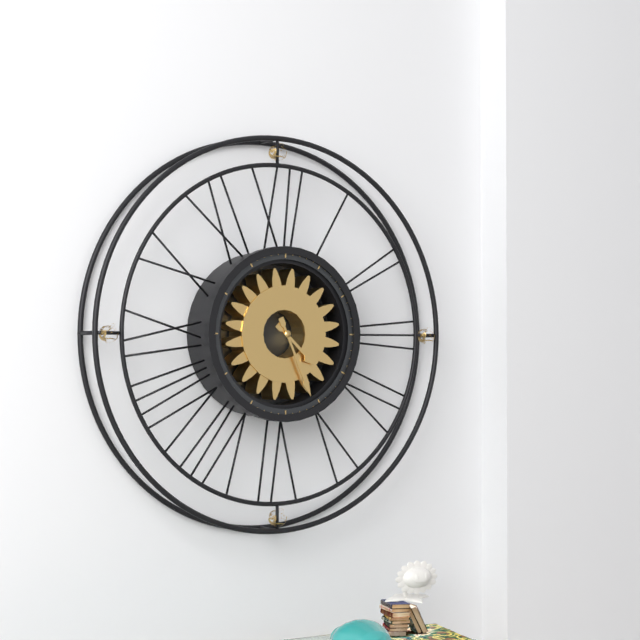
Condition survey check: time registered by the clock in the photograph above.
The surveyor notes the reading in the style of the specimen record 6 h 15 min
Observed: 4 h 26 min
